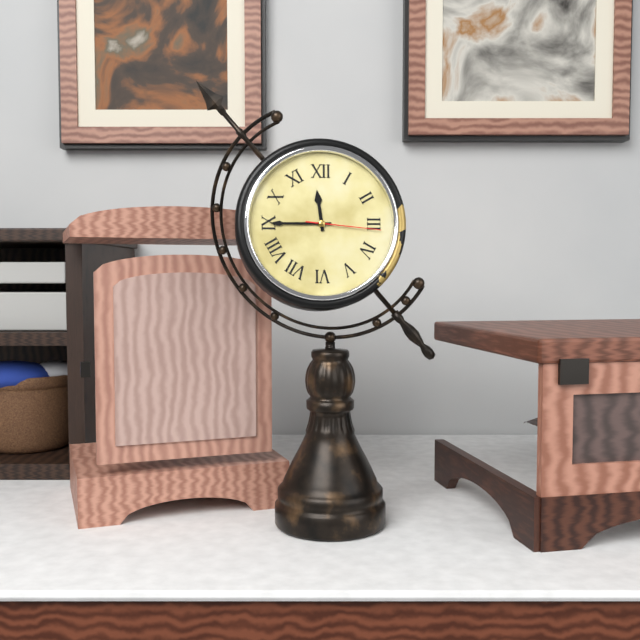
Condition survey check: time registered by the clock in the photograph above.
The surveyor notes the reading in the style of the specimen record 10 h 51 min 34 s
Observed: 11 h 45 min 16 s
